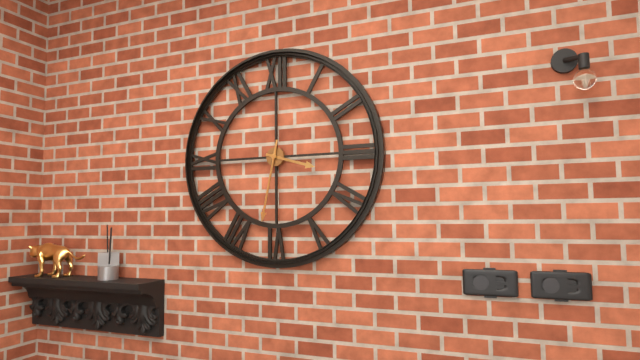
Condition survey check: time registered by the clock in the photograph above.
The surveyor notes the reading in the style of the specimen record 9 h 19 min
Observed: 3 h 32 min
